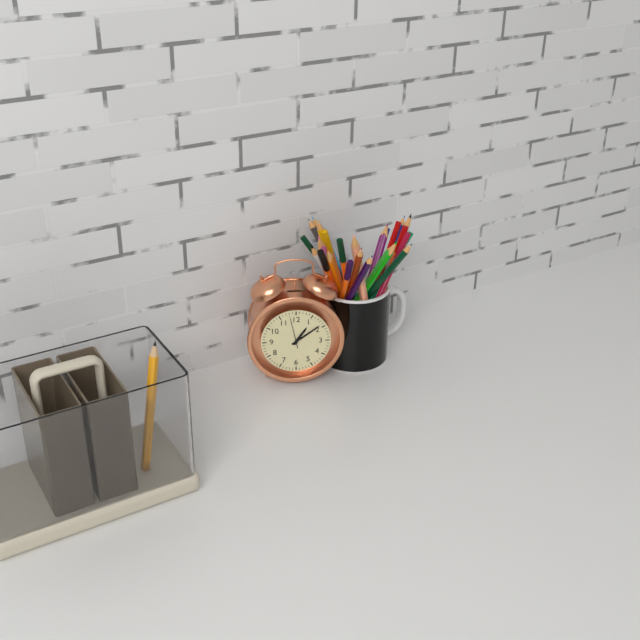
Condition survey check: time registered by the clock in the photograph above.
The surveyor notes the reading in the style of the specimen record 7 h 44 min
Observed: 1 h 09 min
